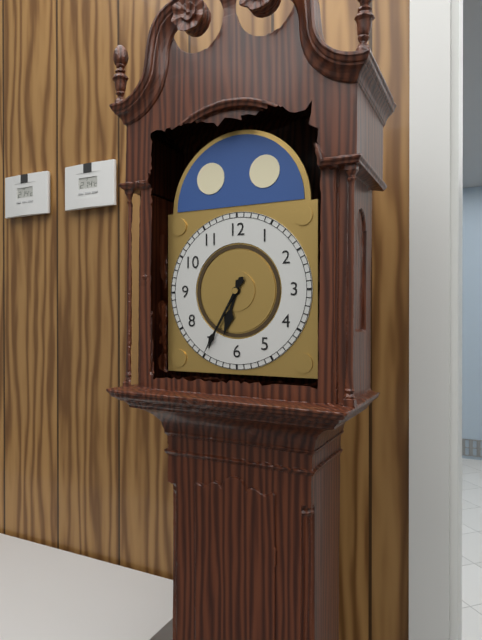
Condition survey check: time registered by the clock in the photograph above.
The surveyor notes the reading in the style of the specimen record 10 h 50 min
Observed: 6 h 35 min
